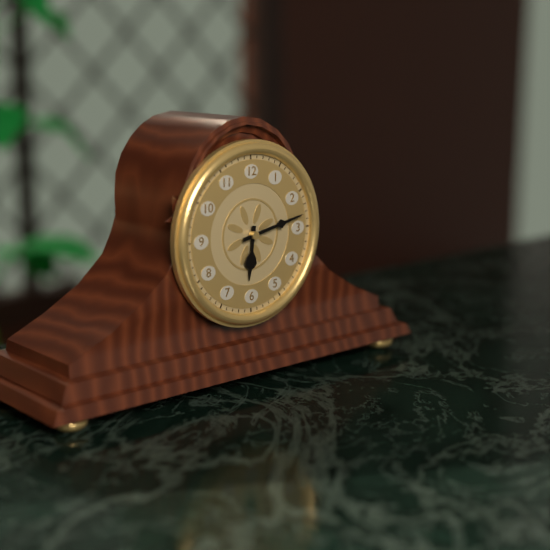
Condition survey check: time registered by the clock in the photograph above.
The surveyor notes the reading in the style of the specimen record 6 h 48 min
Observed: 6 h 13 min
